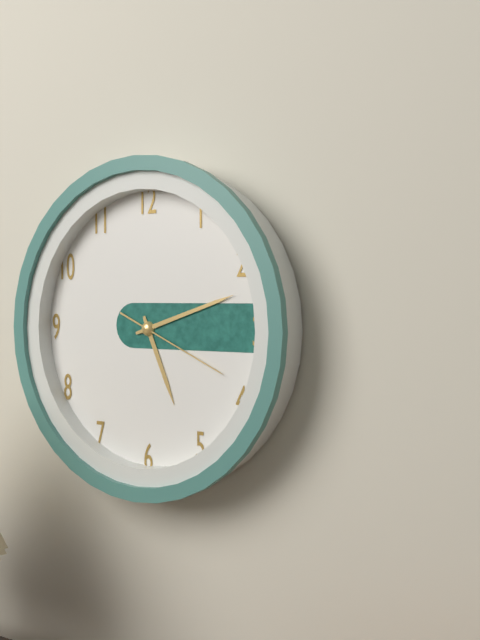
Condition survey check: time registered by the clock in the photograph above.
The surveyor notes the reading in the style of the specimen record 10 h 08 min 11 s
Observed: 5 h 12 min 19 s
